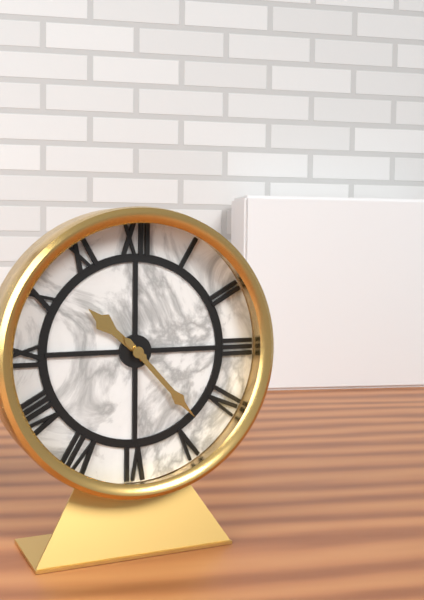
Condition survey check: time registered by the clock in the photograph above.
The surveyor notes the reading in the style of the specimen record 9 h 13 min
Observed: 10 h 23 min
